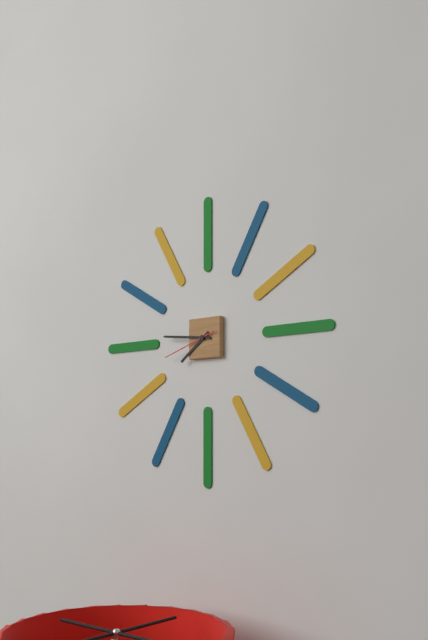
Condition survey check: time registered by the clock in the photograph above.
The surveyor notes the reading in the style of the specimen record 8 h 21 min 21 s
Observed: 7 h 46 min 42 s
